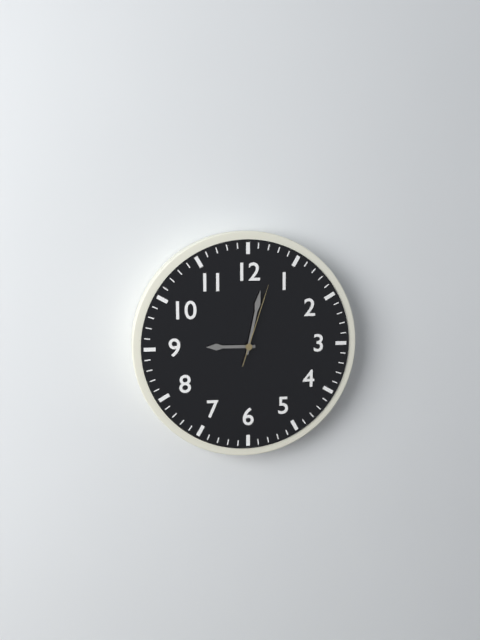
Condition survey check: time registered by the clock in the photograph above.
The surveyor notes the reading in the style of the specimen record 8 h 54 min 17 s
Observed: 9 h 02 min 03 s
